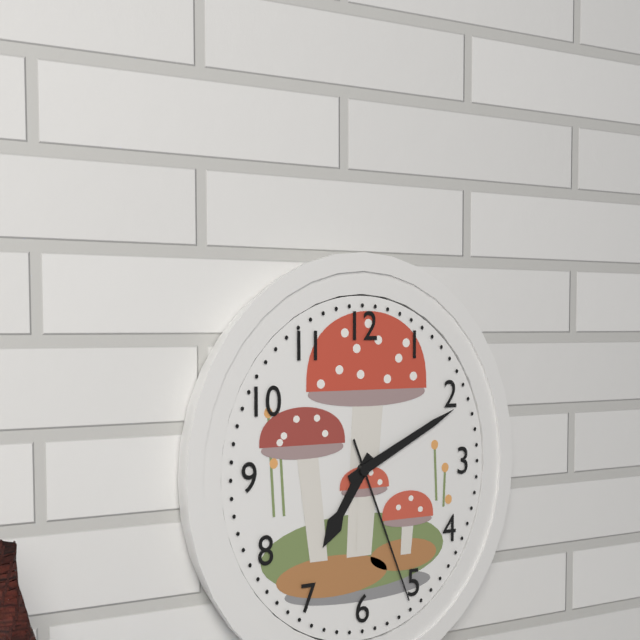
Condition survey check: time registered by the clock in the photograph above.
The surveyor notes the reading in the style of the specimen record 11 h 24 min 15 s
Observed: 7 h 11 min 26 s
